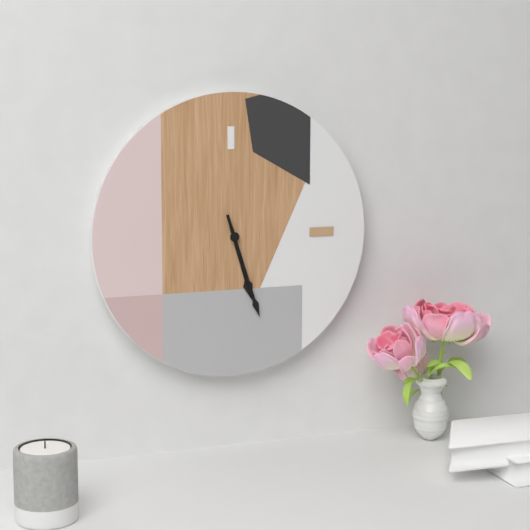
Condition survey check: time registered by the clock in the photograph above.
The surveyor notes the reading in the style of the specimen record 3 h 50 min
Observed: 5 h 27 min
